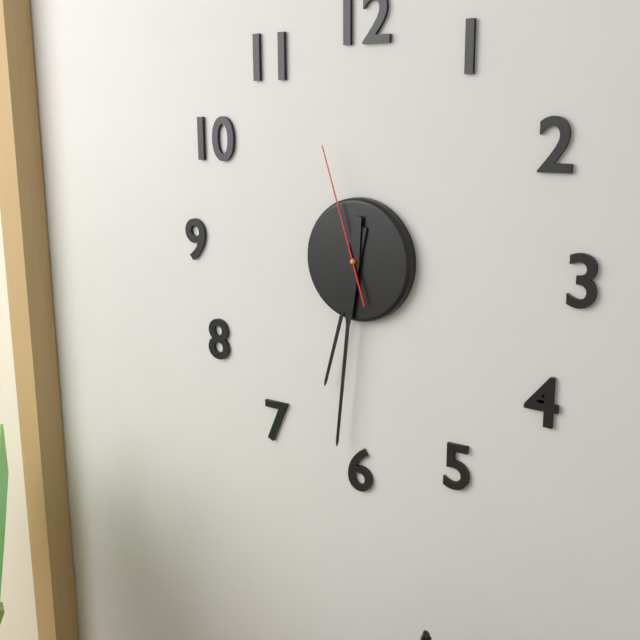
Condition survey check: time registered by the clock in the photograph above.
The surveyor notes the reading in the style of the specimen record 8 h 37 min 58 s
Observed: 6 h 31 min 57 s
